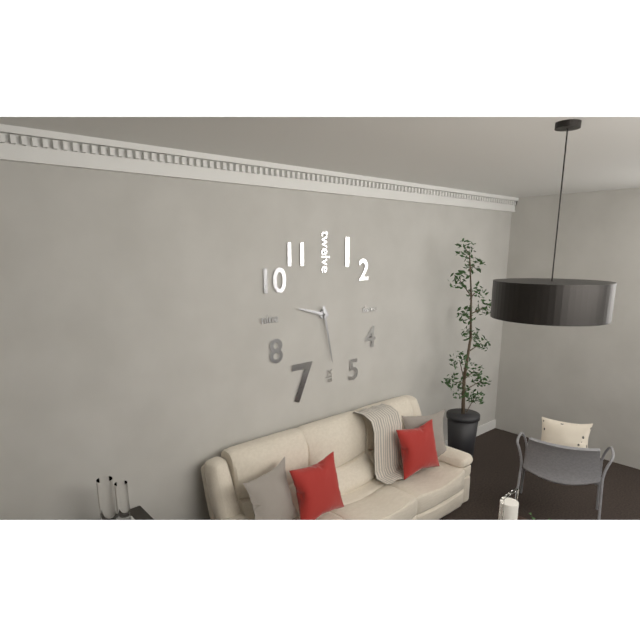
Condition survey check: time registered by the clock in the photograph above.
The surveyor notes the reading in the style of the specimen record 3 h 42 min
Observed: 9 h 28 min
